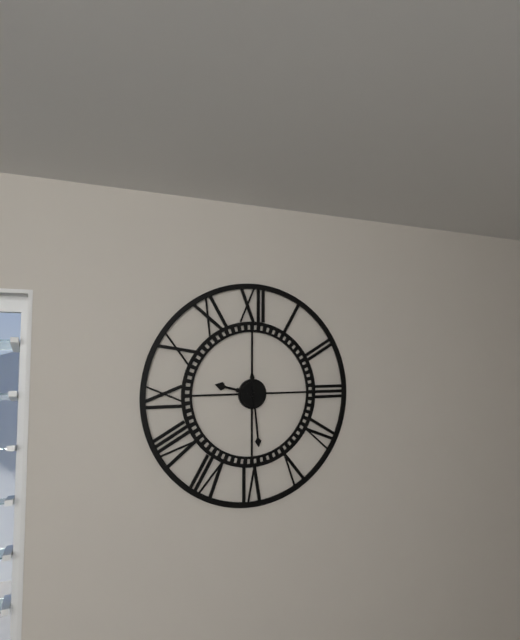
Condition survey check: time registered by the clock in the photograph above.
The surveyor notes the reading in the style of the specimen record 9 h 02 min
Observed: 9 h 29 min
